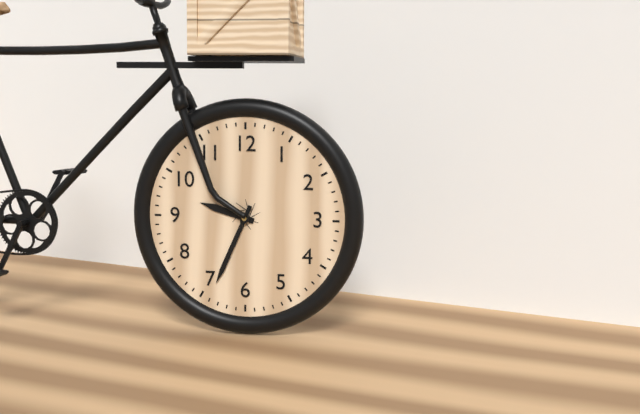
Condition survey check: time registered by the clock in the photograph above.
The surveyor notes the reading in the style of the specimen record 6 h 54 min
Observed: 9 h 34 min
